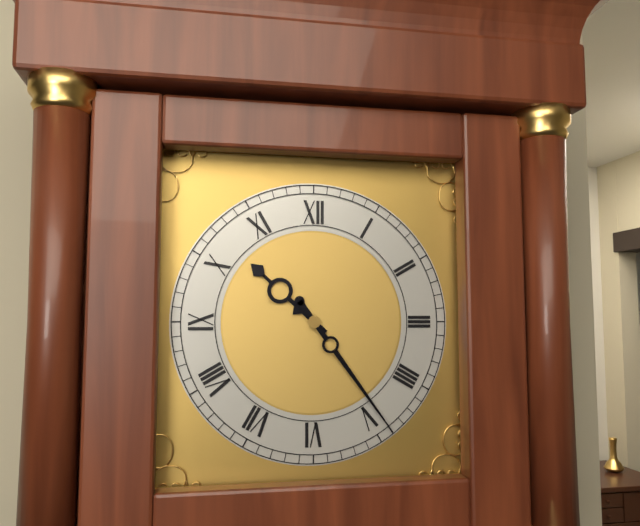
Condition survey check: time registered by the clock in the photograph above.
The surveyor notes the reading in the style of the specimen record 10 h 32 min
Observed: 10 h 24 min
